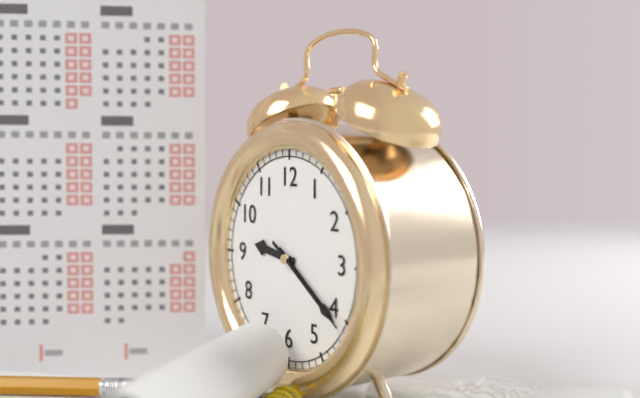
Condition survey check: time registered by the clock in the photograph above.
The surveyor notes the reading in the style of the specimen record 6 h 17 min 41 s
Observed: 9 h 21 min 21 s
